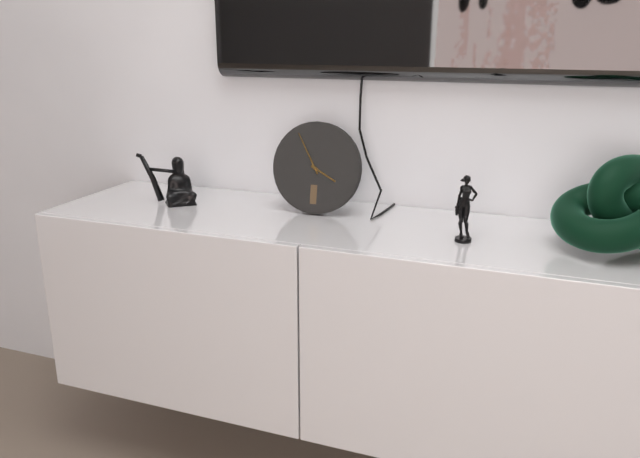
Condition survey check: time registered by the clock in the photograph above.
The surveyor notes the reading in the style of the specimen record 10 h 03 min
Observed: 3 h 55 min
